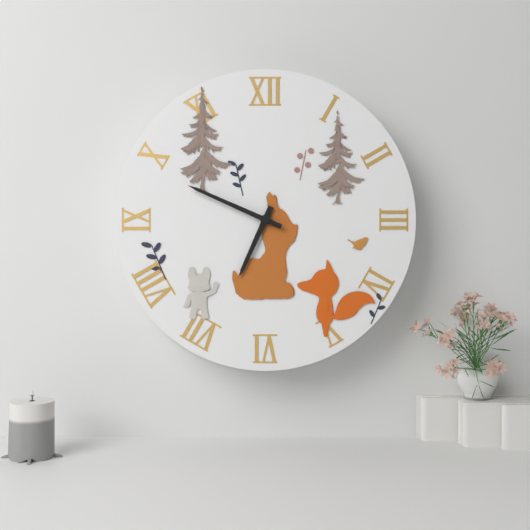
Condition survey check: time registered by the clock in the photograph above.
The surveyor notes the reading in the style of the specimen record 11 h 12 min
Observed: 6 h 49 min
